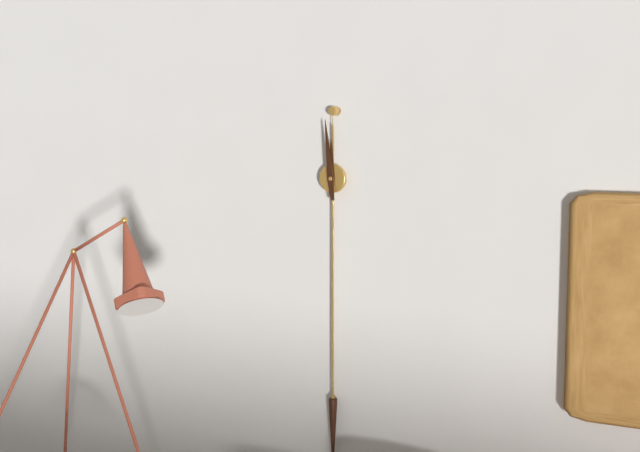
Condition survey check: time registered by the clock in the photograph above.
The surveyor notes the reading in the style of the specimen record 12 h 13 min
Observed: 11 h 59 min
